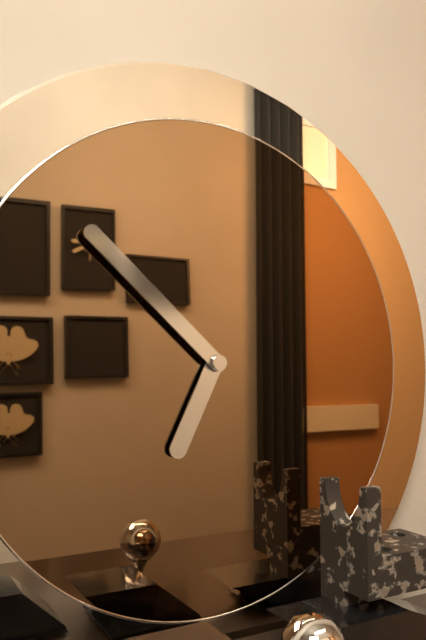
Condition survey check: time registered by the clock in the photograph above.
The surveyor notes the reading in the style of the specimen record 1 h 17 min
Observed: 6 h 52 min
